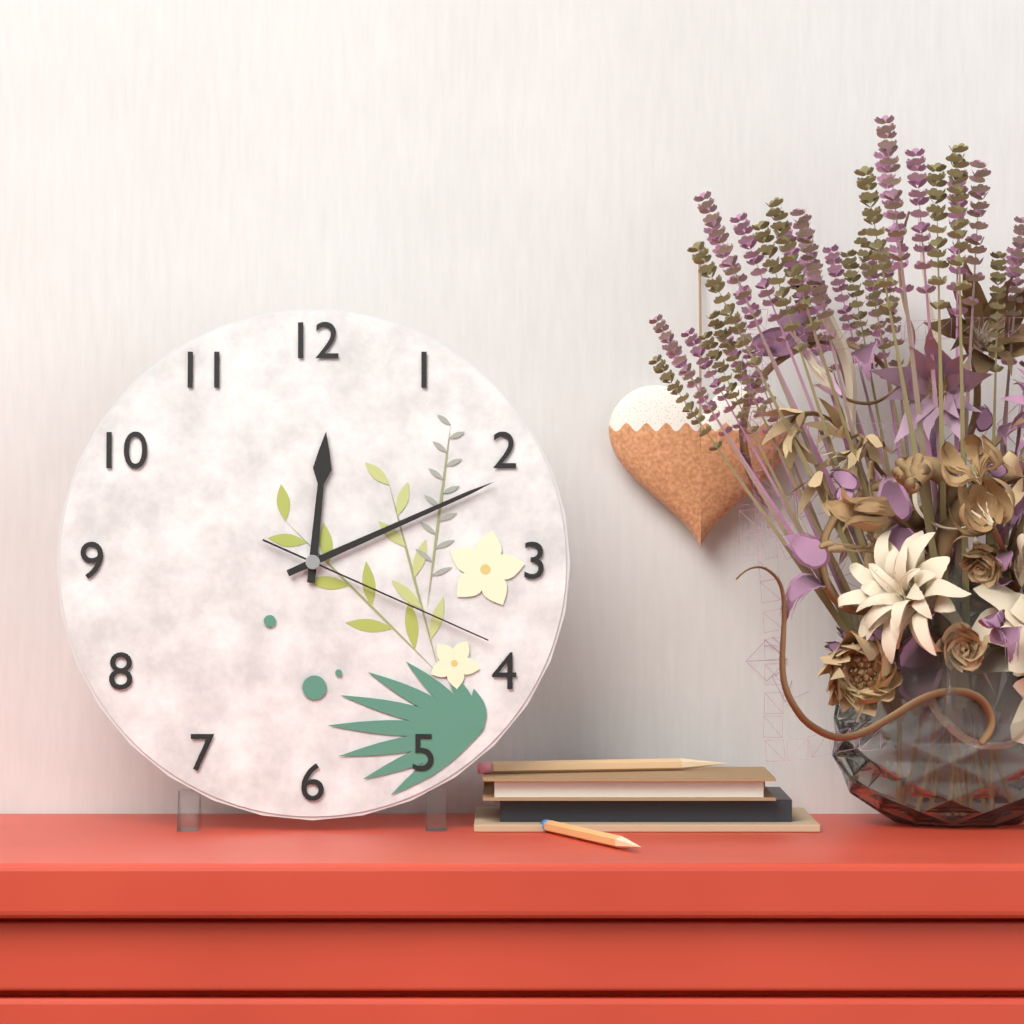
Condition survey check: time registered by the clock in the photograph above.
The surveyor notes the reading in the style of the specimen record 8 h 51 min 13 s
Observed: 12 h 11 min 19 s
